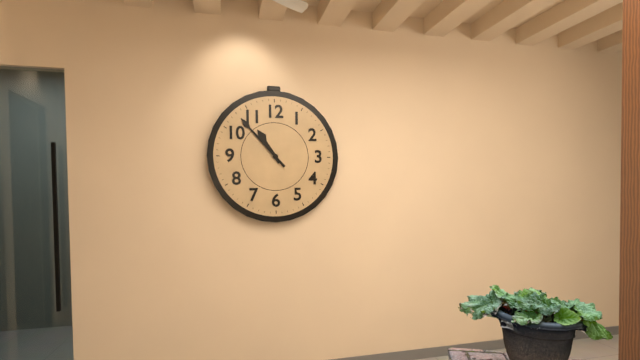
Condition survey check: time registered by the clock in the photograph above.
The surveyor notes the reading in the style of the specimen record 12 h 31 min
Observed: 10 h 53 min
